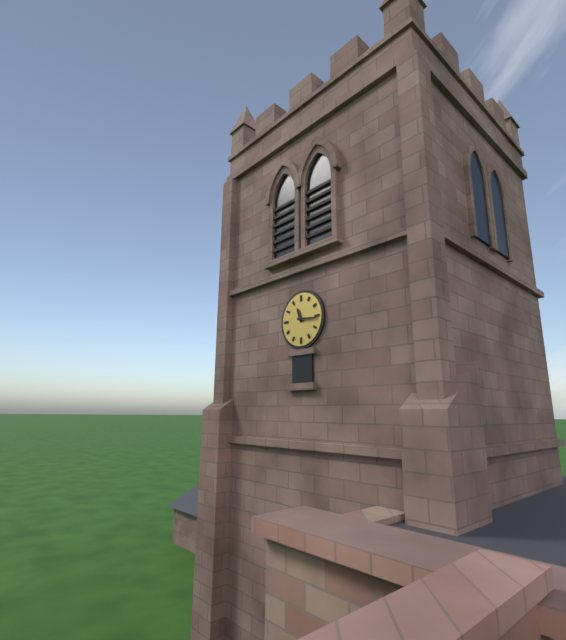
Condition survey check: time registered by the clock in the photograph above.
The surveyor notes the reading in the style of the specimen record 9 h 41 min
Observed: 11 h 16 min
